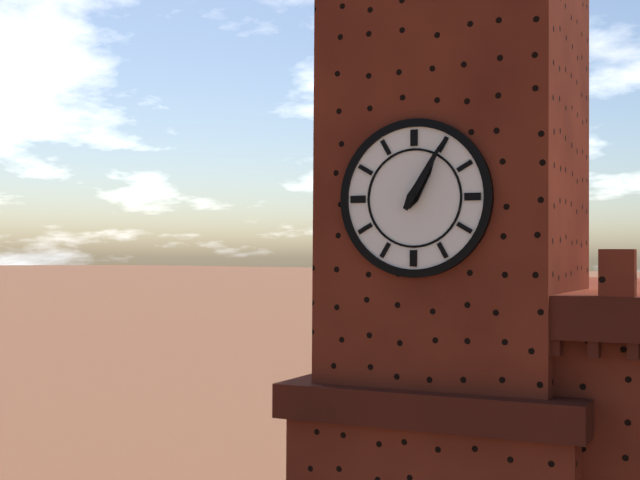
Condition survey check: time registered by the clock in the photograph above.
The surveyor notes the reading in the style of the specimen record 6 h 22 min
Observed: 1 h 05 min
